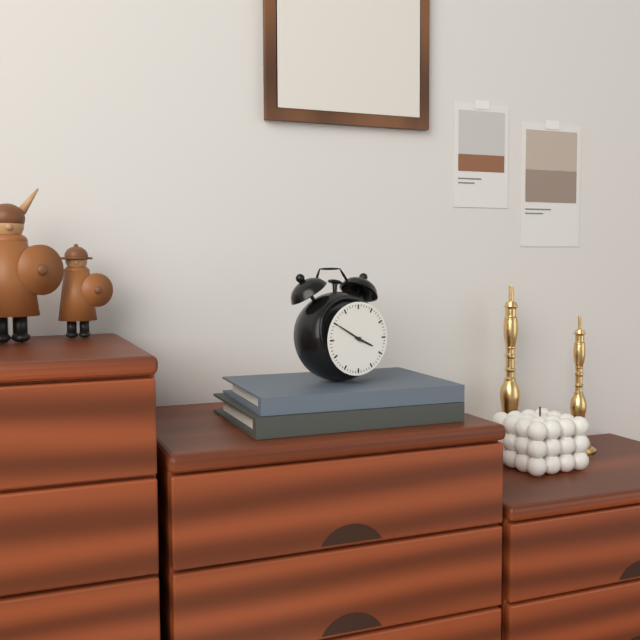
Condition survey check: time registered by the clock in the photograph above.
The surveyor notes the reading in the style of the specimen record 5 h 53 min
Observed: 3 h 50 min
